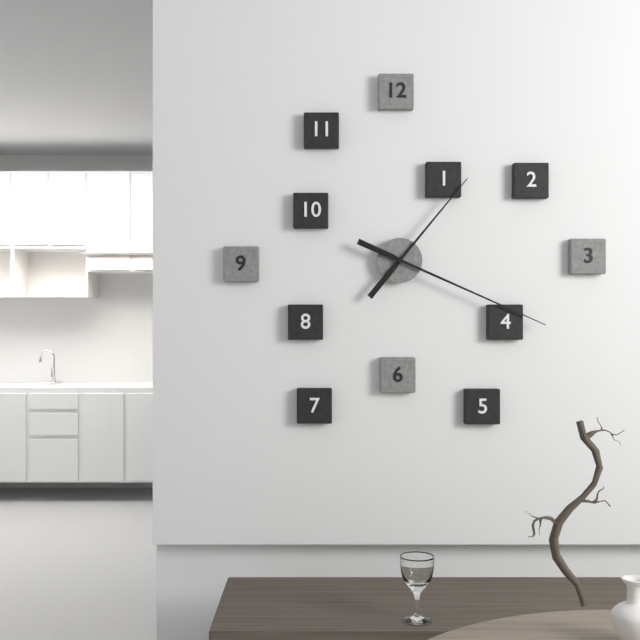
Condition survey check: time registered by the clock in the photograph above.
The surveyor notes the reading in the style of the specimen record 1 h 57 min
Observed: 1 h 19 min
